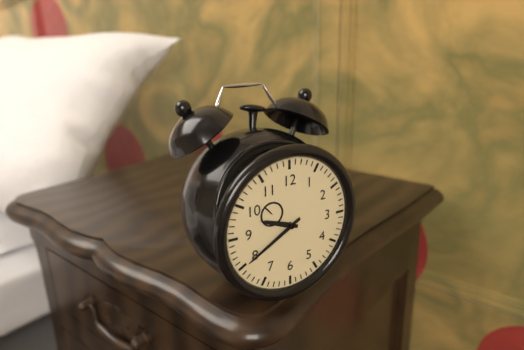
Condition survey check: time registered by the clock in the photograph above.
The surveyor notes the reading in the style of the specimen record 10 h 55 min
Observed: 9 h 40 min
